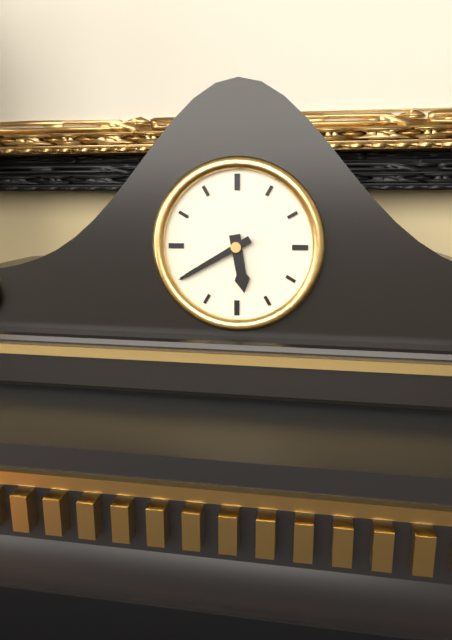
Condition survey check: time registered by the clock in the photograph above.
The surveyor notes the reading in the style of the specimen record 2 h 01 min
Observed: 5 h 40 min
